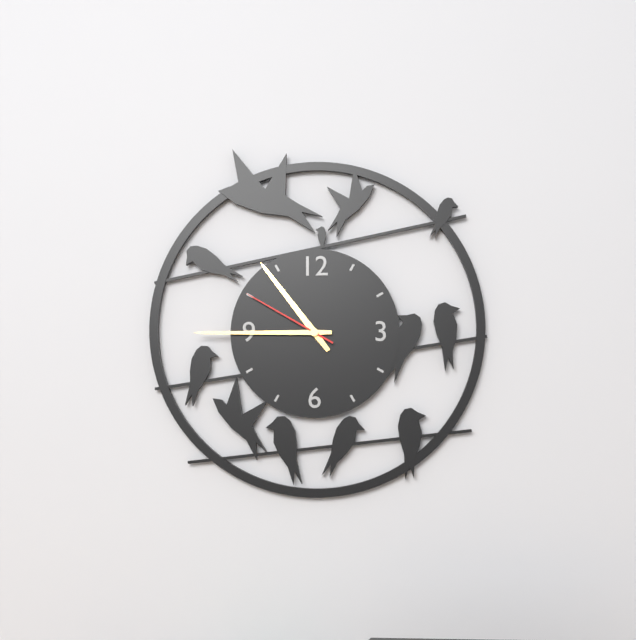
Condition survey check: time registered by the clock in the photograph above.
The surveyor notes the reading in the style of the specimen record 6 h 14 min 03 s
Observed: 10 h 45 min 50 s
